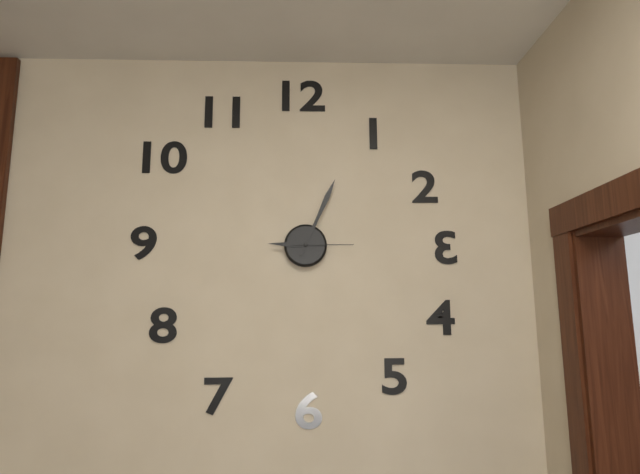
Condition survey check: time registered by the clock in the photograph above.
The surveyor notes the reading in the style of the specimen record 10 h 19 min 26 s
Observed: 9 h 04 min 15 s
